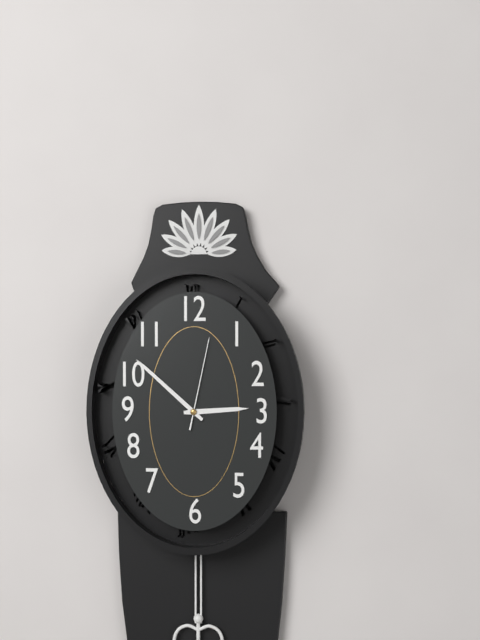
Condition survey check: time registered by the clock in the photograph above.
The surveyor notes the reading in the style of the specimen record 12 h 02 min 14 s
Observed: 2 h 52 min 02 s
